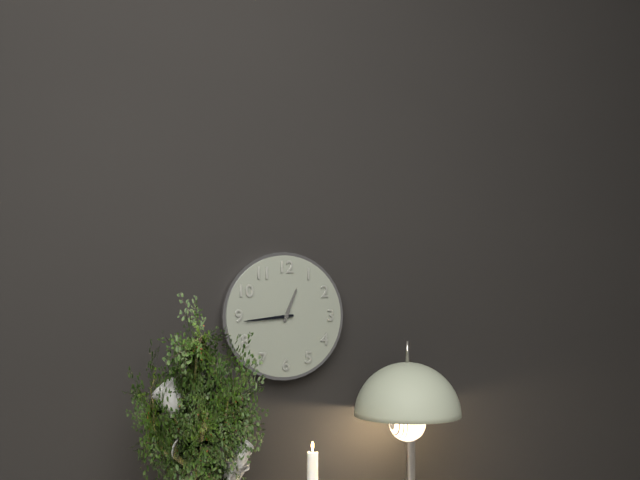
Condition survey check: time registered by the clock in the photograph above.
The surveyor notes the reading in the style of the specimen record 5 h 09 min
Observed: 12 h 44 min
